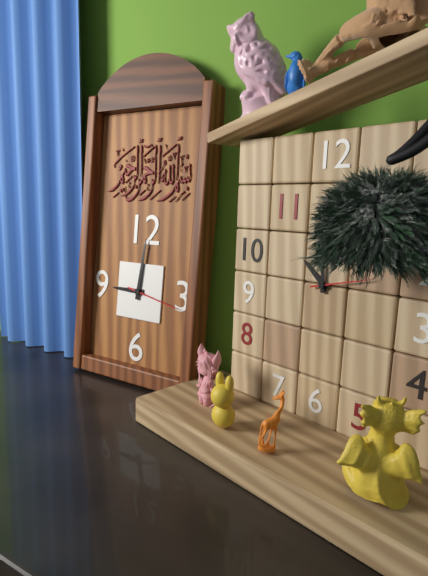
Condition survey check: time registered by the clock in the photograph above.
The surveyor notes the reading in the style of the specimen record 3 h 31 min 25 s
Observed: 9 h 01 min 17 s
